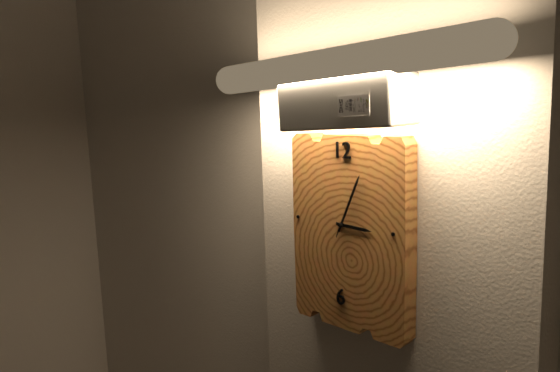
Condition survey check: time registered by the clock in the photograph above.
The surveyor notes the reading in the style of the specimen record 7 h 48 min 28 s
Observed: 3 h 04 min 04 s
